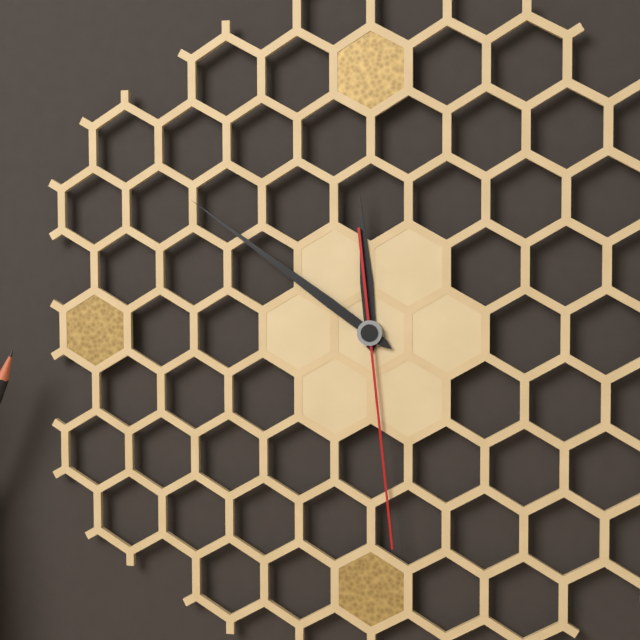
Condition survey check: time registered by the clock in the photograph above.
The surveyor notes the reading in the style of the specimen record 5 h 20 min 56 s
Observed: 11 h 51 min 29 s
